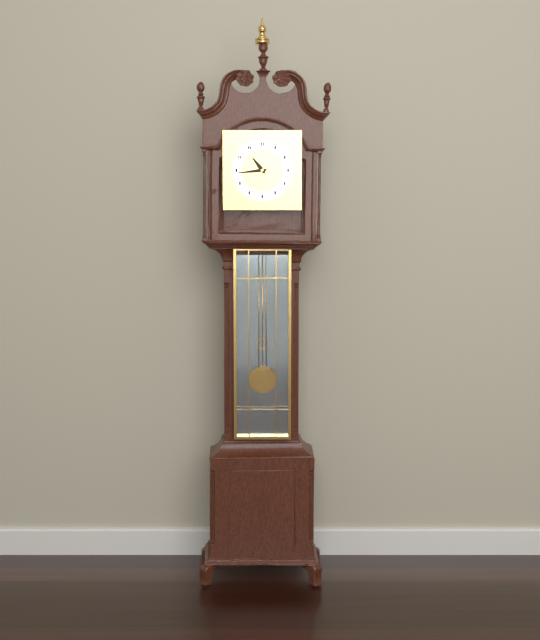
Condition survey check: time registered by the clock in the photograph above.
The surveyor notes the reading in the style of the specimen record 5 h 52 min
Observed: 10 h 44 min
